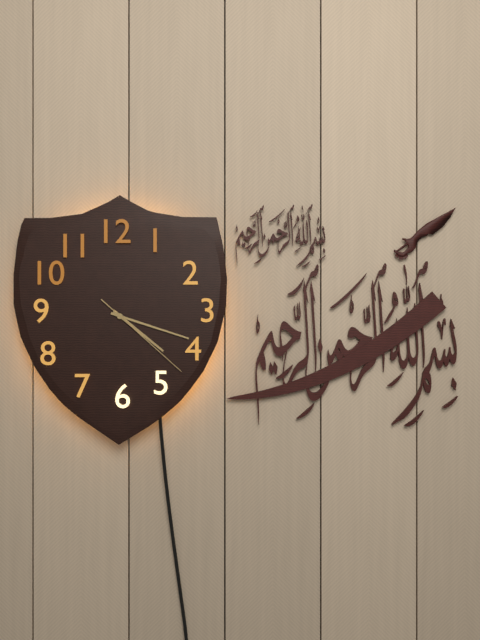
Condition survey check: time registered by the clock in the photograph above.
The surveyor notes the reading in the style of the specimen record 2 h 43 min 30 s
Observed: 4 h 18 min 22 s
